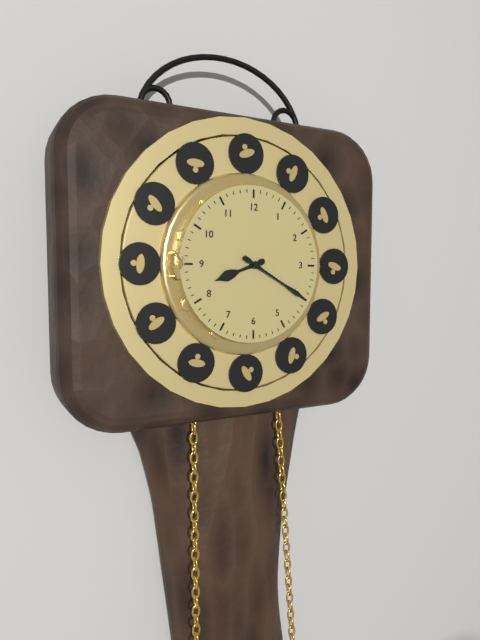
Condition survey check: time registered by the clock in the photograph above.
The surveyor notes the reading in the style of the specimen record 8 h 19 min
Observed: 8 h 20 min
